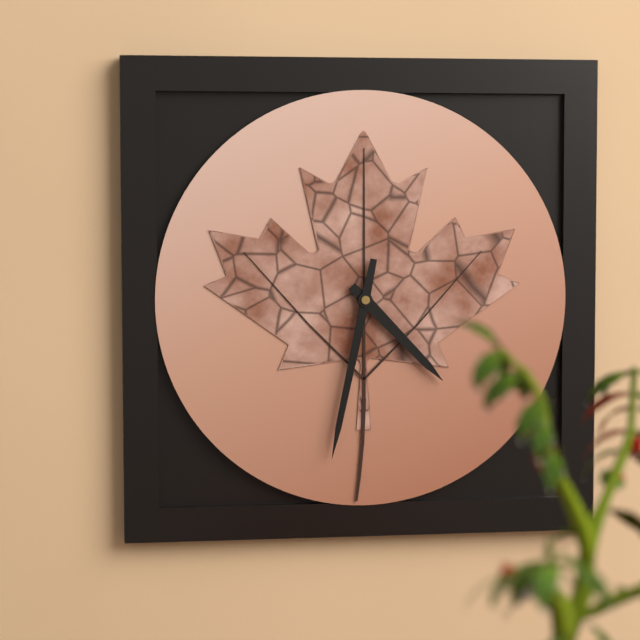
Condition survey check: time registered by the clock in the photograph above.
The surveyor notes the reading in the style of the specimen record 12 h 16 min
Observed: 4 h 32 min
